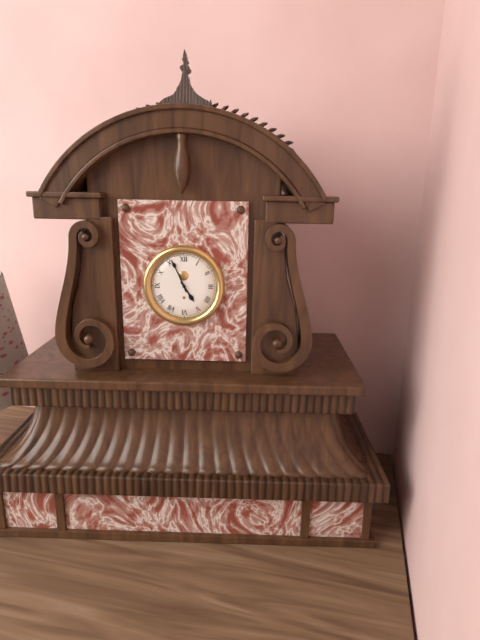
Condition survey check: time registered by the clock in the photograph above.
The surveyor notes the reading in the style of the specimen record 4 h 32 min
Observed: 4 h 56 min
